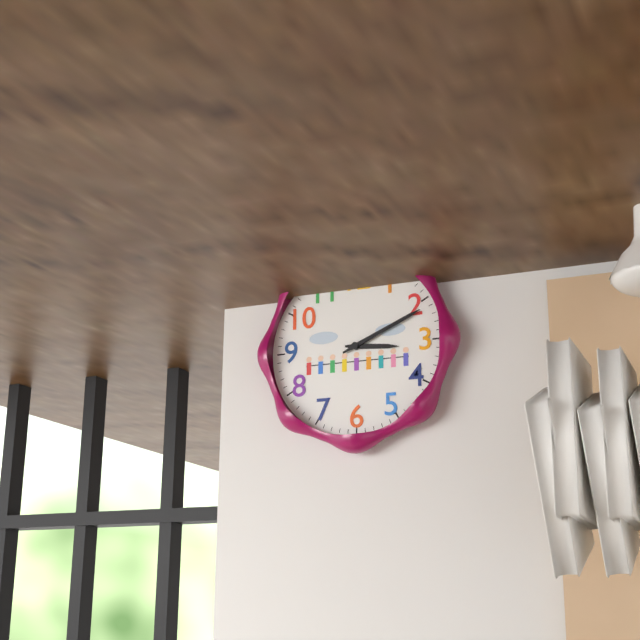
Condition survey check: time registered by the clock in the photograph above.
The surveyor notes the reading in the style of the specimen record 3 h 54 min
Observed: 3 h 11 min
